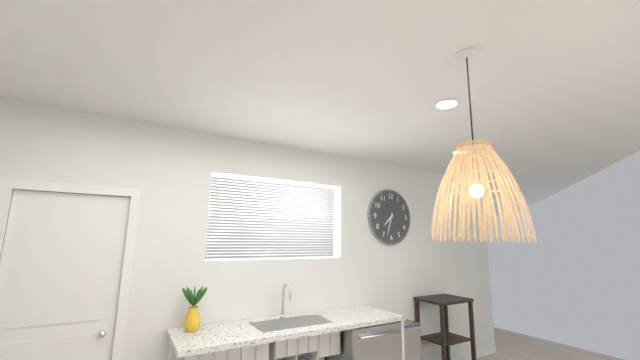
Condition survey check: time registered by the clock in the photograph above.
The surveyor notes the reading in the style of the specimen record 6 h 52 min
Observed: 7 h 33 min
